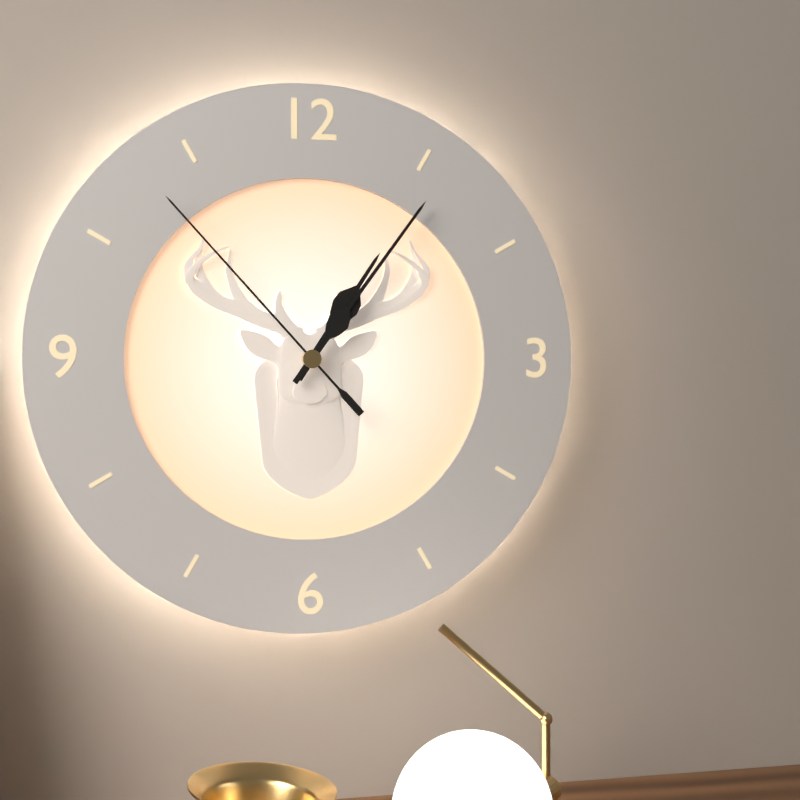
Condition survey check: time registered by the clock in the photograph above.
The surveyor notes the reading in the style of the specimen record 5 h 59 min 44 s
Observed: 1 h 06 min 53 s
